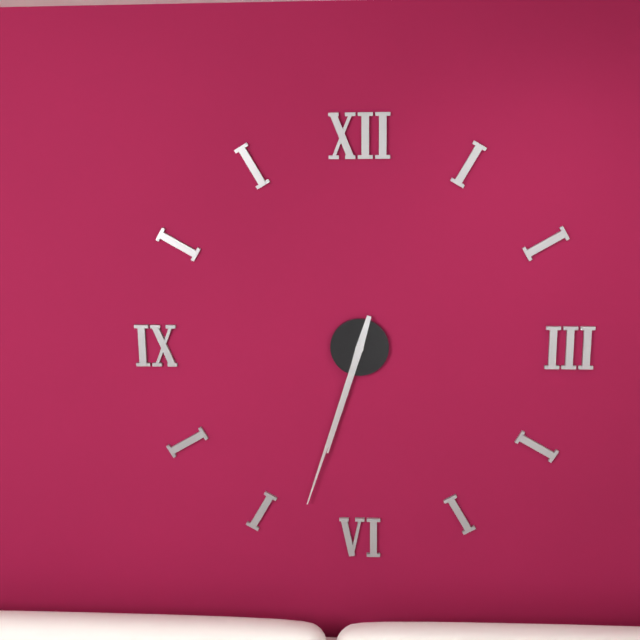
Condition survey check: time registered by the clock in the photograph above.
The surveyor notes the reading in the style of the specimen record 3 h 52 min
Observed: 6 h 33 min
